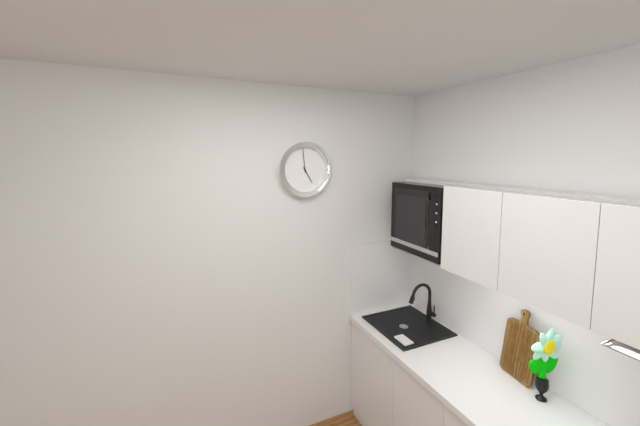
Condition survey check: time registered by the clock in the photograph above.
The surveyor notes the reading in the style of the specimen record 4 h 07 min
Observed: 4 h 59 min
